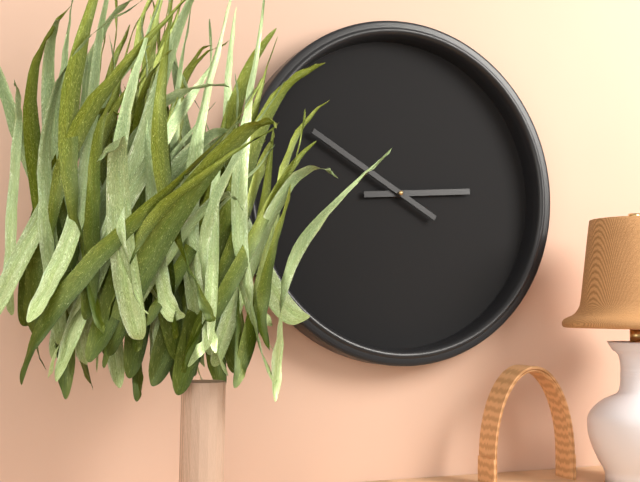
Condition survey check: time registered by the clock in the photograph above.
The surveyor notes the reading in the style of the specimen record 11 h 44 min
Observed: 2 h 50 min
